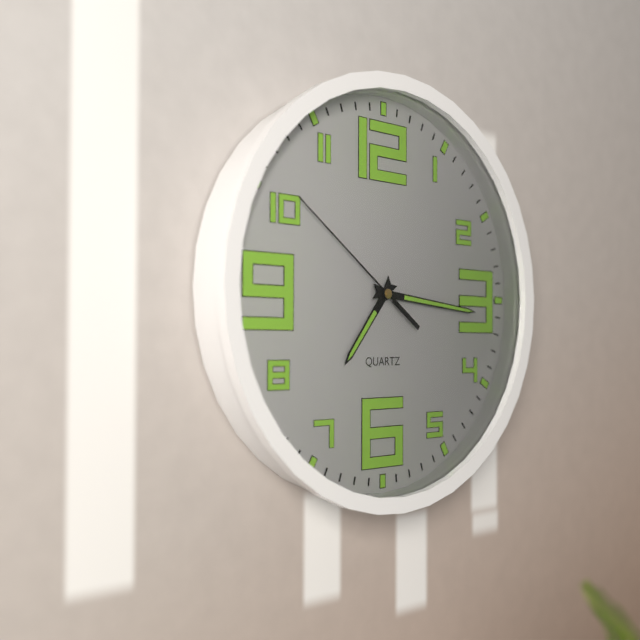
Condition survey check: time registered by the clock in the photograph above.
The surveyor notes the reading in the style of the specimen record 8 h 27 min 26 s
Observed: 7 h 16 min 51 s
